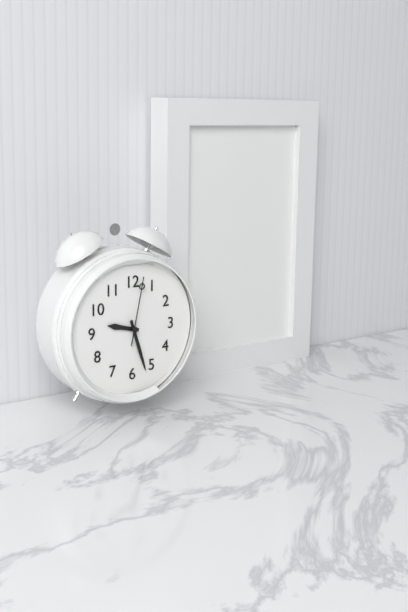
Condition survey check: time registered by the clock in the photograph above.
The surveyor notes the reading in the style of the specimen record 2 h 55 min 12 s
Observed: 9 h 27 min 02 s
